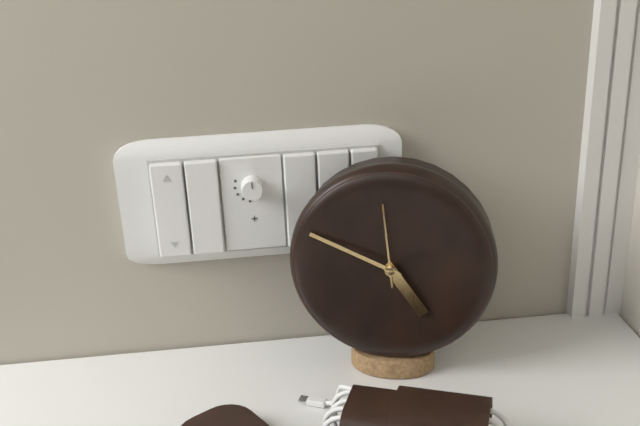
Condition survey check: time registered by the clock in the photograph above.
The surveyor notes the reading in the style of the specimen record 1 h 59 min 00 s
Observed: 4 h 49 min 59 s
